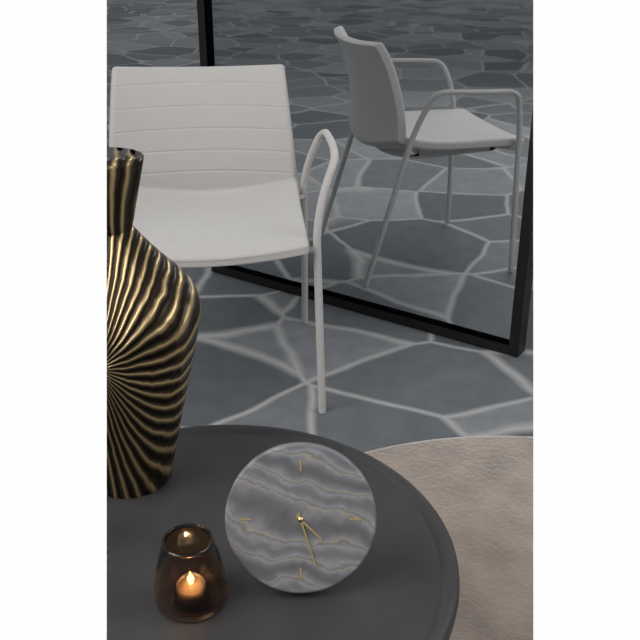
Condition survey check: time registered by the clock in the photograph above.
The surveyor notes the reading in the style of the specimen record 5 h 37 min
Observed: 4 h 27 min
